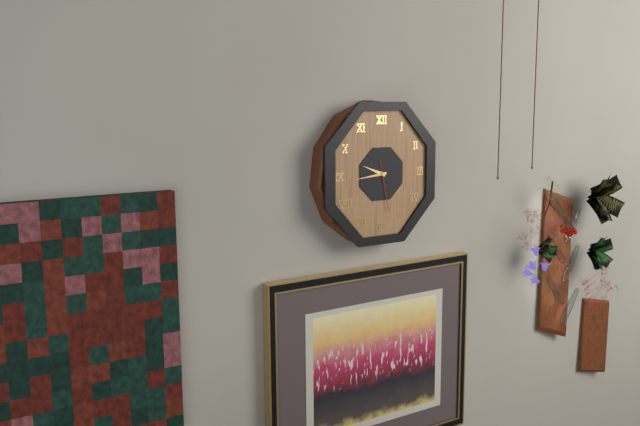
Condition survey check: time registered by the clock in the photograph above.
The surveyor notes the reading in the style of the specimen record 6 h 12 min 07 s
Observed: 9 h 44 min 28 s
